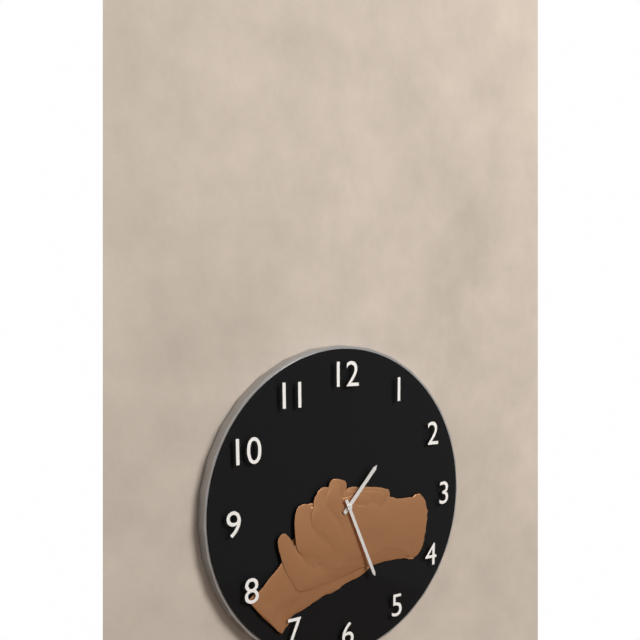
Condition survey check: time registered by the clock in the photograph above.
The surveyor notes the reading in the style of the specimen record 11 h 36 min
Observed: 1 h 26 min
